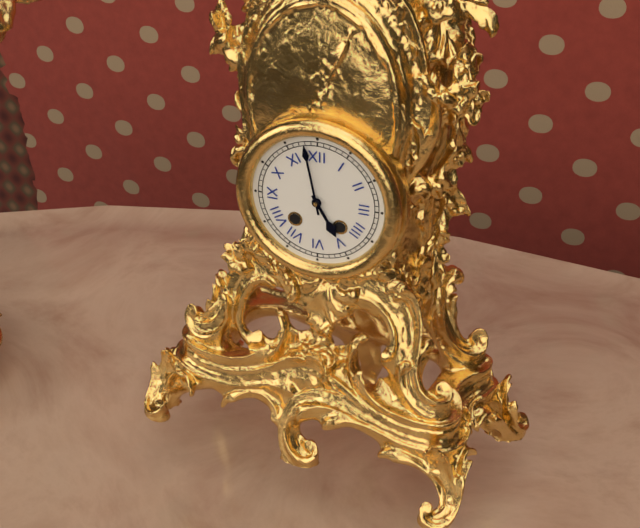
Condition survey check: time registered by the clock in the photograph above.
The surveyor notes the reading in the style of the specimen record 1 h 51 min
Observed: 4 h 58 min
